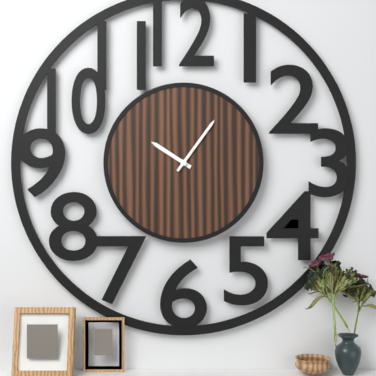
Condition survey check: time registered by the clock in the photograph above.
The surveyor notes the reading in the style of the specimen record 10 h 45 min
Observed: 10 h 06 min
